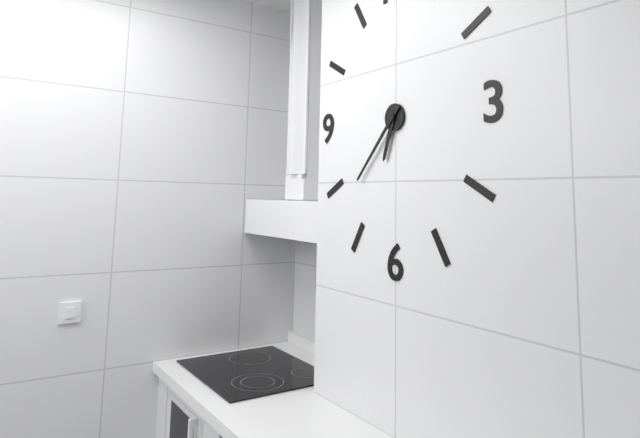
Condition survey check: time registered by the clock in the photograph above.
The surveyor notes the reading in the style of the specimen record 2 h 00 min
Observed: 6 h 37 min
